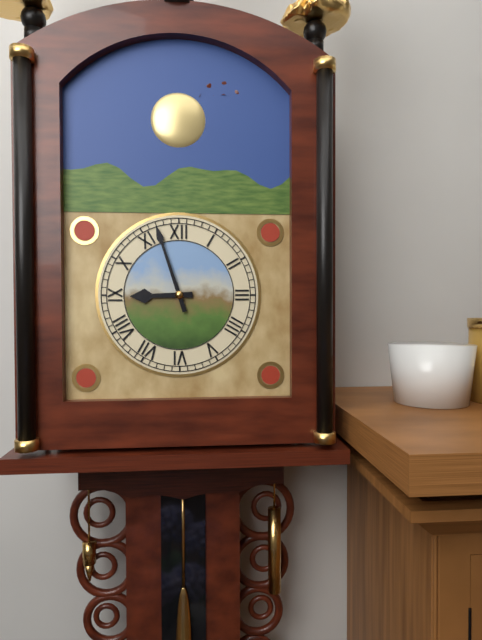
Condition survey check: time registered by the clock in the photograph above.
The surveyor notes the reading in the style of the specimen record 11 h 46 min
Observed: 8 h 57 min
